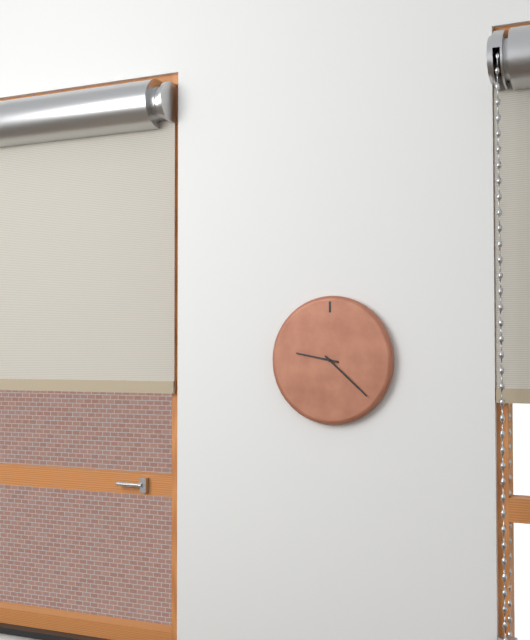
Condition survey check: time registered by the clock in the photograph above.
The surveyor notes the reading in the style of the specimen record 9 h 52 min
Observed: 9 h 22 min
